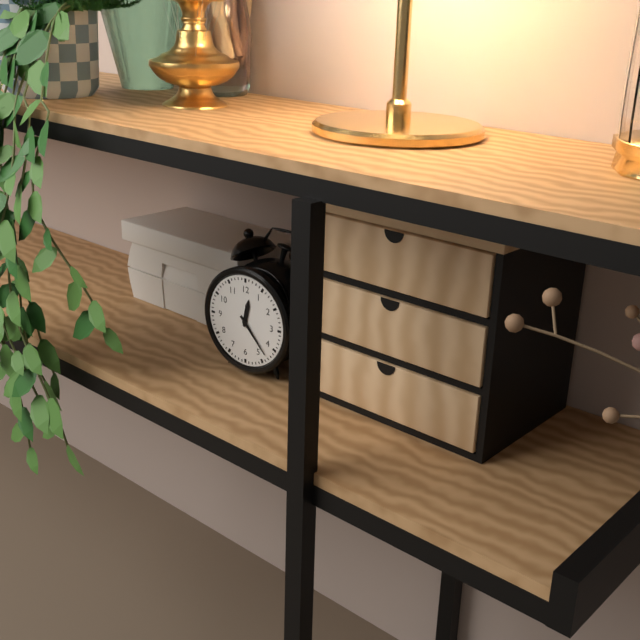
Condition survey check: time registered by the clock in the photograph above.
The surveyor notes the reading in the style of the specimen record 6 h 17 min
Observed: 12 h 23 min
